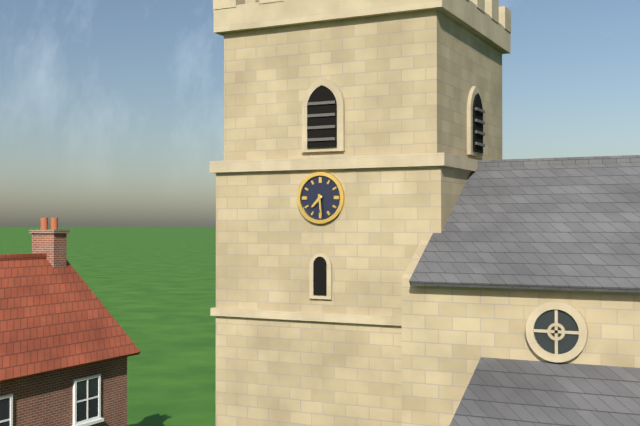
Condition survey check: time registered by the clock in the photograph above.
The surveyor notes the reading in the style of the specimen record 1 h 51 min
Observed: 7 h 29 min
